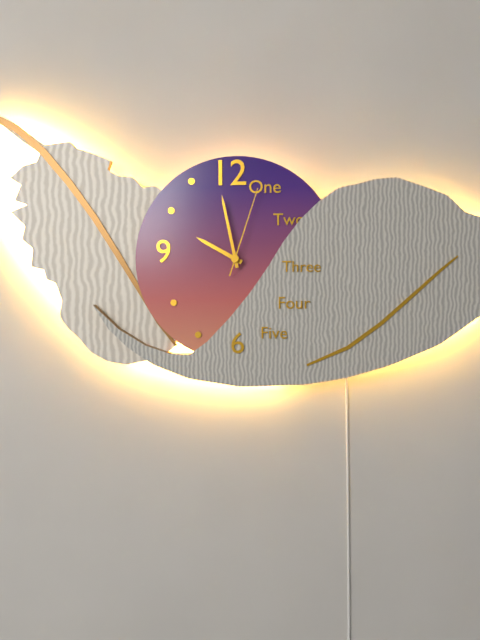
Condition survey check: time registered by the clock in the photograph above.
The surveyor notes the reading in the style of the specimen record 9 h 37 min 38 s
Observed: 9 h 58 min 03 s
